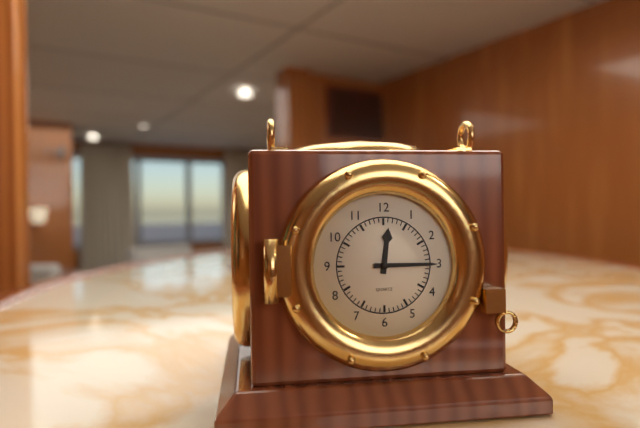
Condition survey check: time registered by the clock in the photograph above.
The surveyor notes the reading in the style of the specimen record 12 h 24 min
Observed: 12 h 15 min
